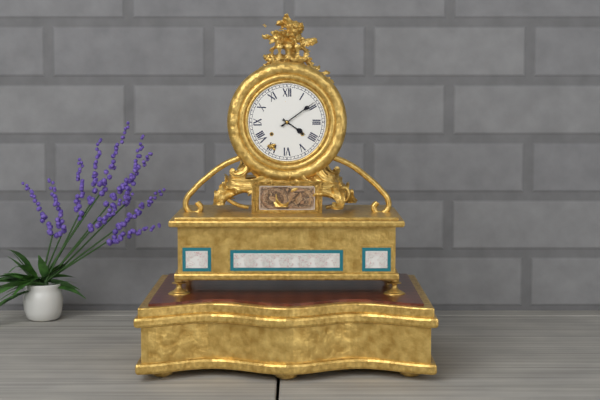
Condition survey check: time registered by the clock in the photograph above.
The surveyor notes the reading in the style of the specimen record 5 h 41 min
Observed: 4 h 09 min
